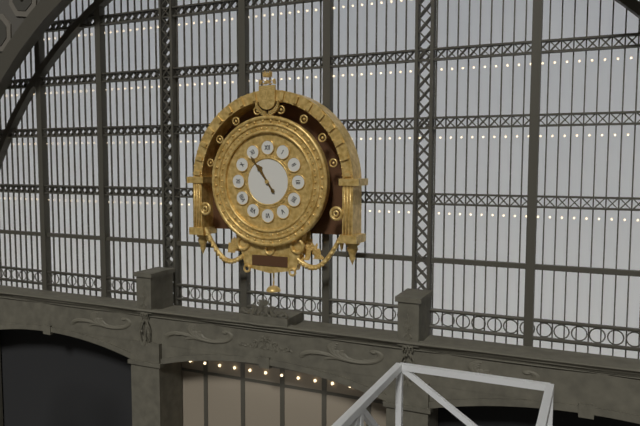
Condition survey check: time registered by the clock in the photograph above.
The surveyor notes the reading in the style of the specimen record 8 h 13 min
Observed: 10 h 54 min
